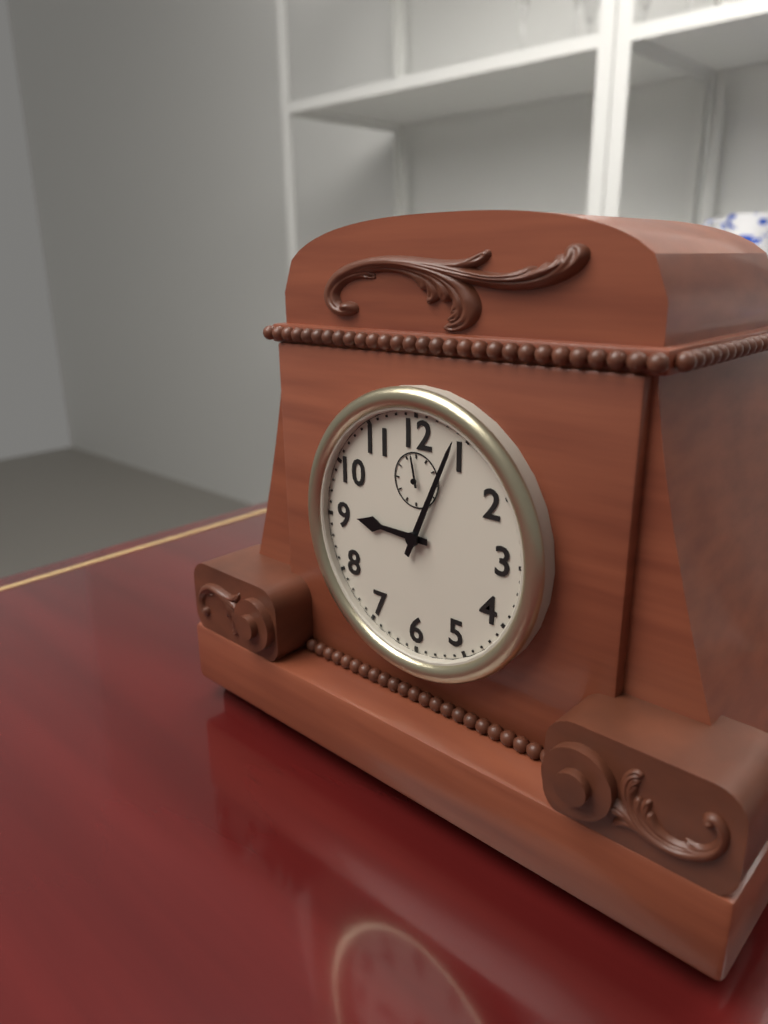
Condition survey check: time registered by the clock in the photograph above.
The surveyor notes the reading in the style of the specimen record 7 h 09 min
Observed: 9 h 04 min
